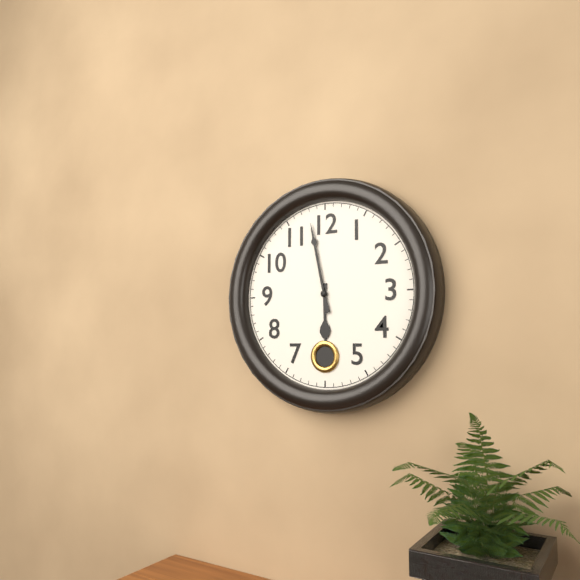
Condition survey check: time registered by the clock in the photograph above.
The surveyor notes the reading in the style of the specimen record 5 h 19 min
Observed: 5 h 58 min
